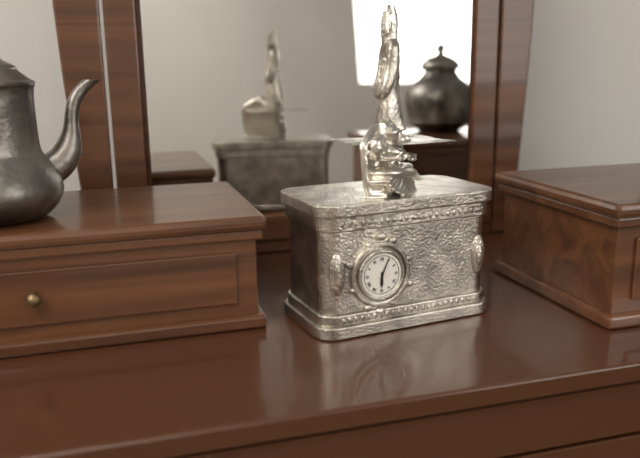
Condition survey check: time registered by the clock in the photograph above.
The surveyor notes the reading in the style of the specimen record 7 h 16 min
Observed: 6 h 04 min
